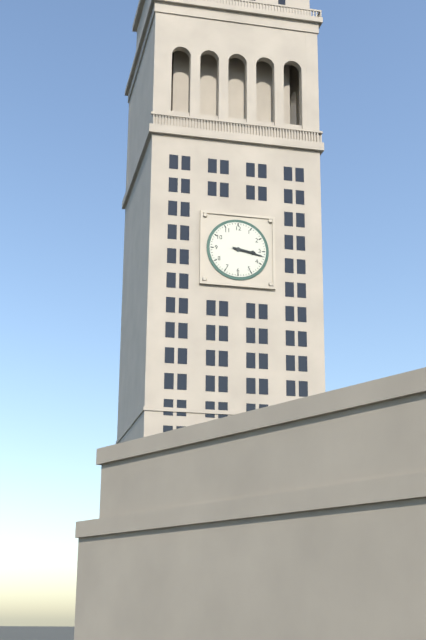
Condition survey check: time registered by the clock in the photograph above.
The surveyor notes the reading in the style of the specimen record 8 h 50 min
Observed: 3 h 17 min
